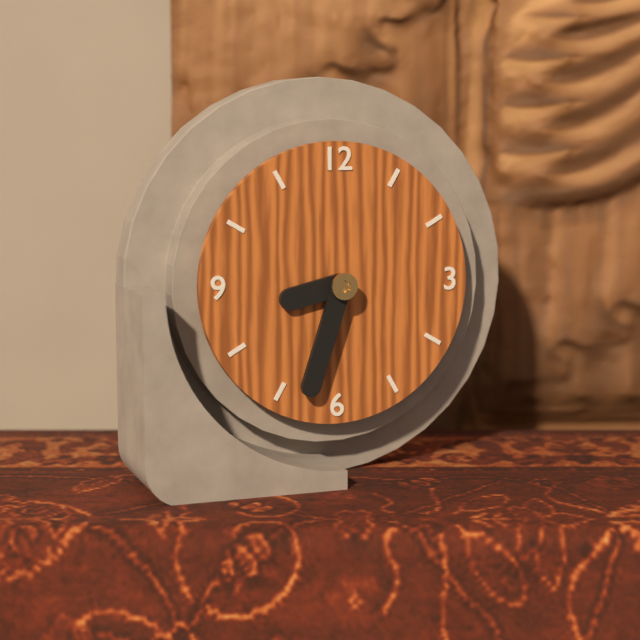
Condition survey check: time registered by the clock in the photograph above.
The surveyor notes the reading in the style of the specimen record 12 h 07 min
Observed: 8 h 33 min
